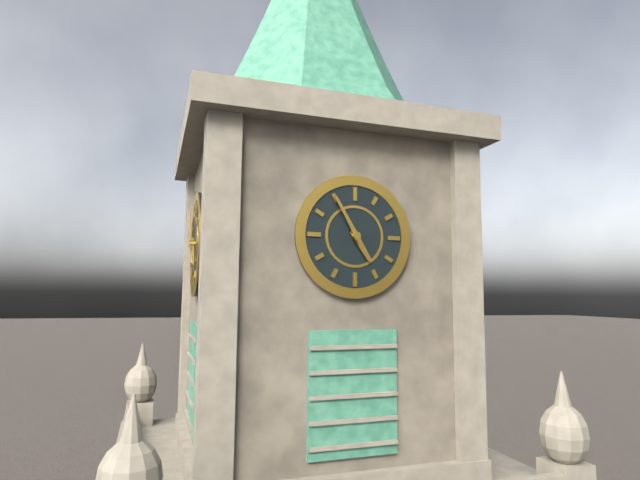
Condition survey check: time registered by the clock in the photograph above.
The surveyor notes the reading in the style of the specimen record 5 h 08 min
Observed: 4 h 55 min
